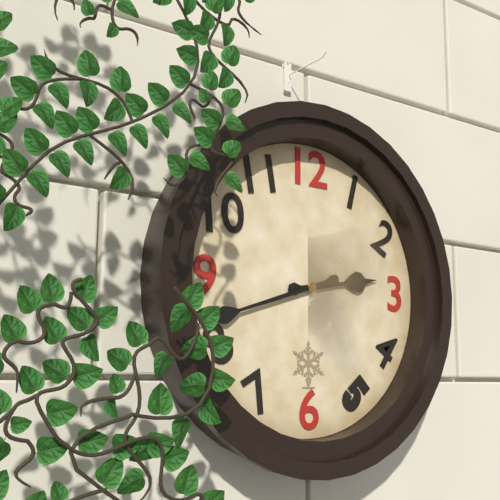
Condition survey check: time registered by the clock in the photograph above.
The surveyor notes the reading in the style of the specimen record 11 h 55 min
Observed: 2 h 42 min
